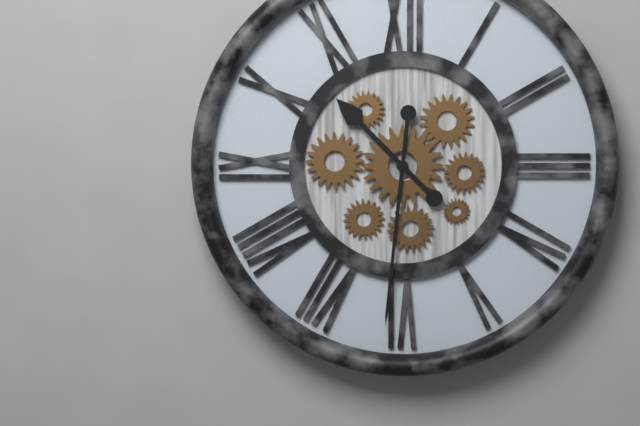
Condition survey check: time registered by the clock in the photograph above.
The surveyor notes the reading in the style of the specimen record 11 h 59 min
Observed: 10 h 31 min
